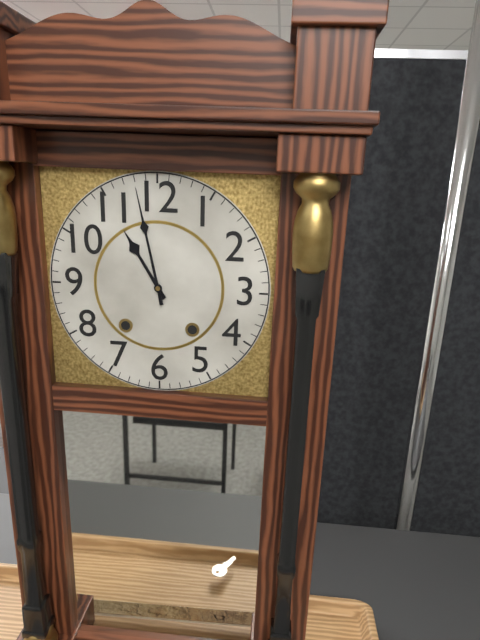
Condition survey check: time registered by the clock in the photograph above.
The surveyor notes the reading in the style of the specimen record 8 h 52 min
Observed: 10 h 58 min
